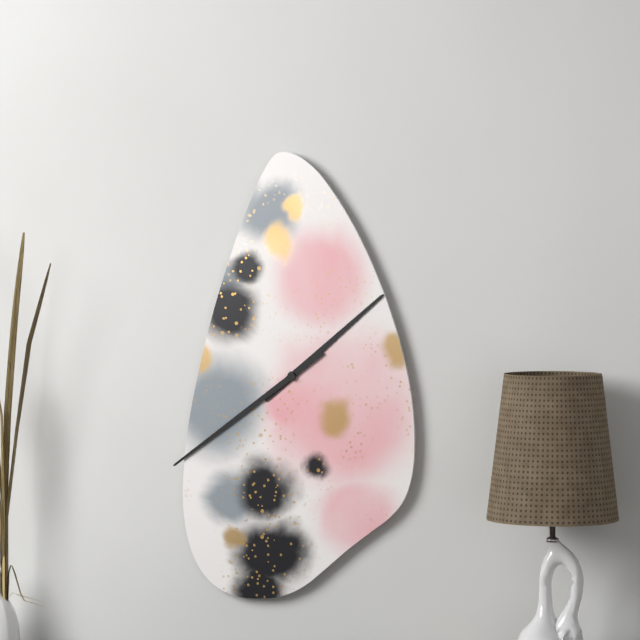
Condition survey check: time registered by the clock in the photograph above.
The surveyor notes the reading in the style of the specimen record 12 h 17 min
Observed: 1 h 39 min
